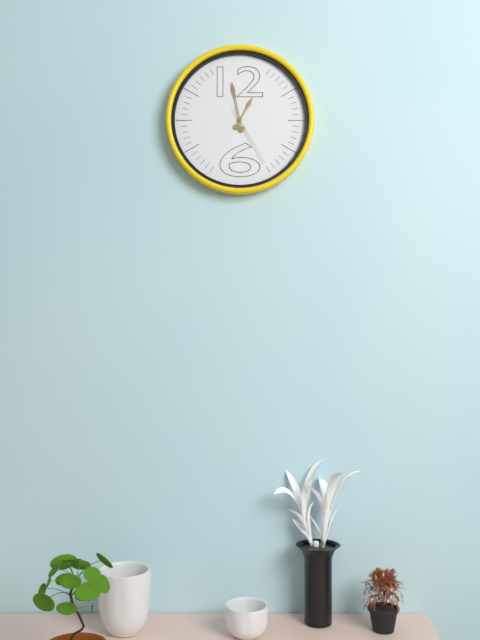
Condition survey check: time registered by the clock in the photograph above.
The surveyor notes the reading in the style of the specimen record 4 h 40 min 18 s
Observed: 12 h 58 min 25 s
